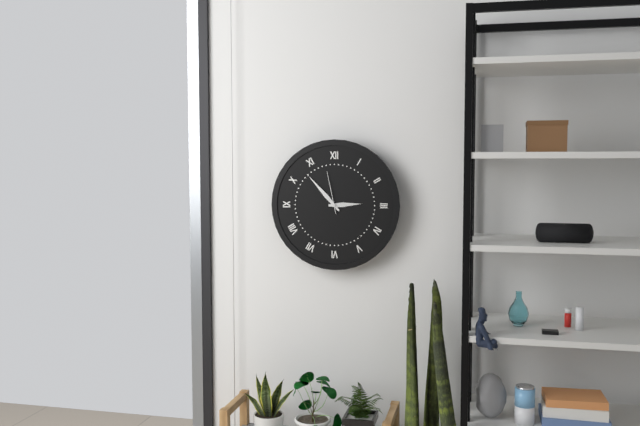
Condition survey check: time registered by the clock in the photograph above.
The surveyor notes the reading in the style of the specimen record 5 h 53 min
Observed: 2 h 53 min
